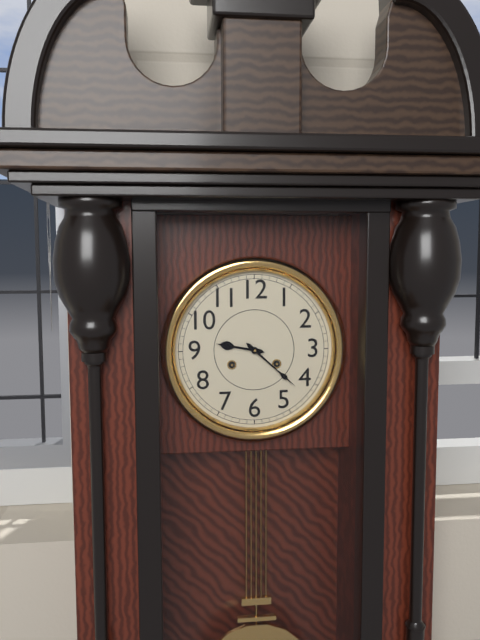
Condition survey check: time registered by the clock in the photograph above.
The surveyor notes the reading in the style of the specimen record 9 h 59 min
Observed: 9 h 22 min
